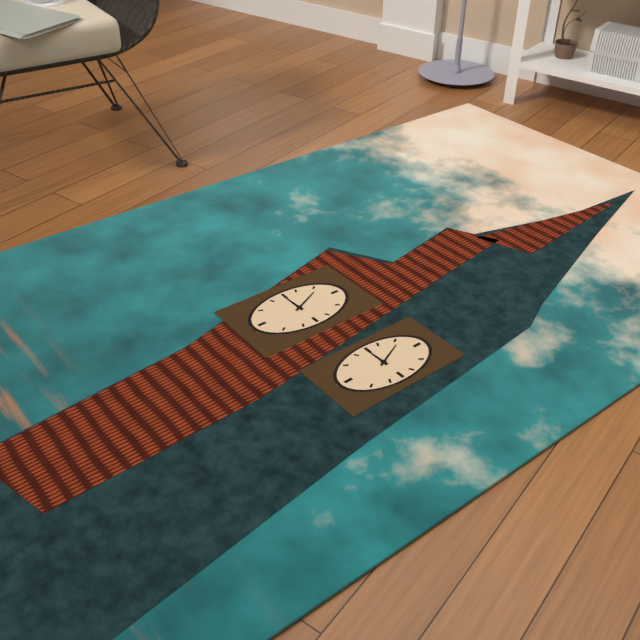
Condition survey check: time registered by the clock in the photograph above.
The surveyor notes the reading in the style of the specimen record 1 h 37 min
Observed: 8 h 56 min
